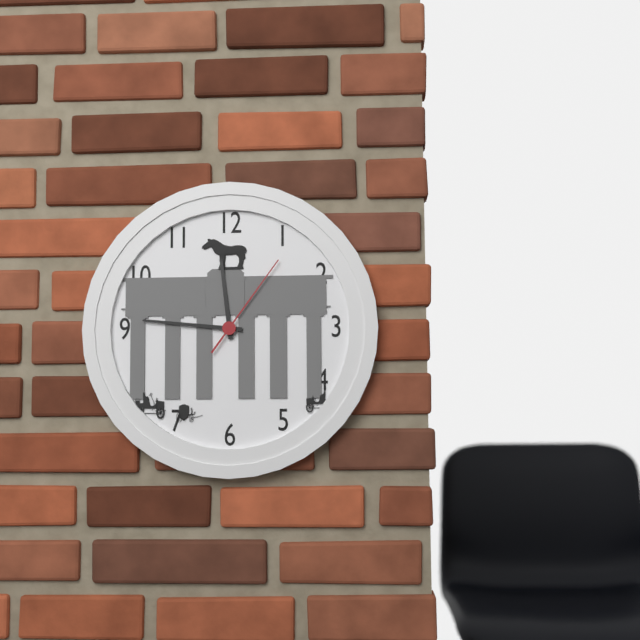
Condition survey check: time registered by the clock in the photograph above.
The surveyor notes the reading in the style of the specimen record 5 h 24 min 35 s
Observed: 11 h 46 min 06 s
